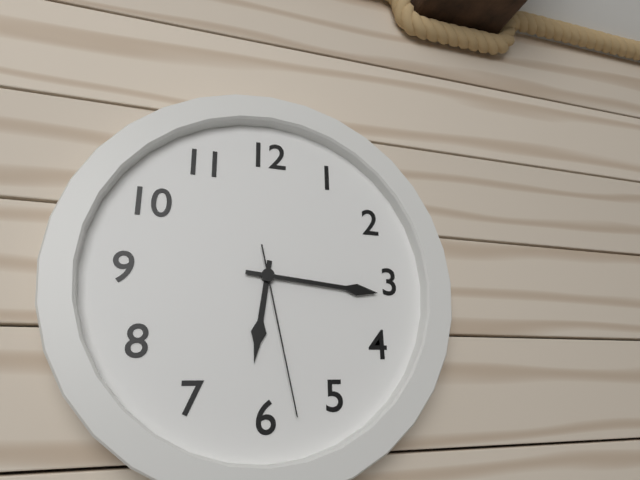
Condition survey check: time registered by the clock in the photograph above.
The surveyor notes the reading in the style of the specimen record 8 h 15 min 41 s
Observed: 6 h 16 min 28 s
